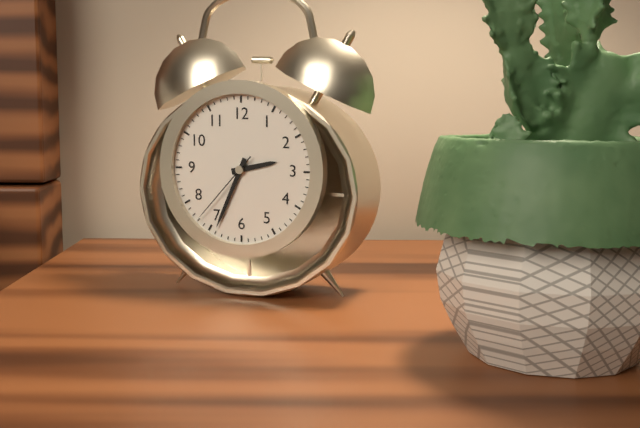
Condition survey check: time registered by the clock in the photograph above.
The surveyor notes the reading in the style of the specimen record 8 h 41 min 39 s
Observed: 2 h 34 min 37 s
